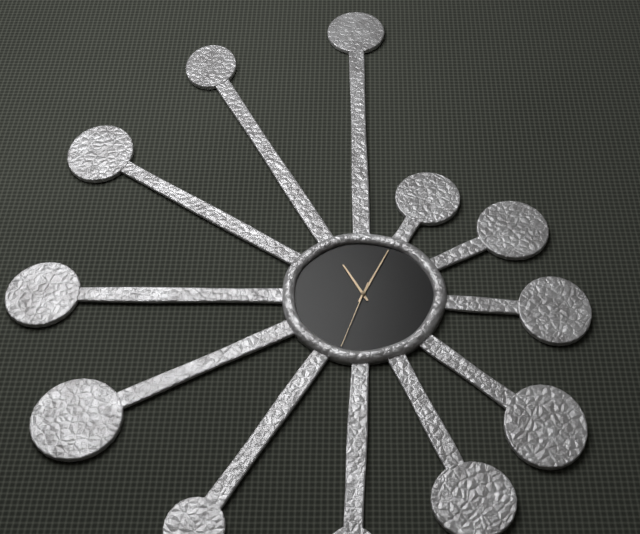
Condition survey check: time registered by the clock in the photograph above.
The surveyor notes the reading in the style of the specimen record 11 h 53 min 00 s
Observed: 11 h 04 min 33 s
